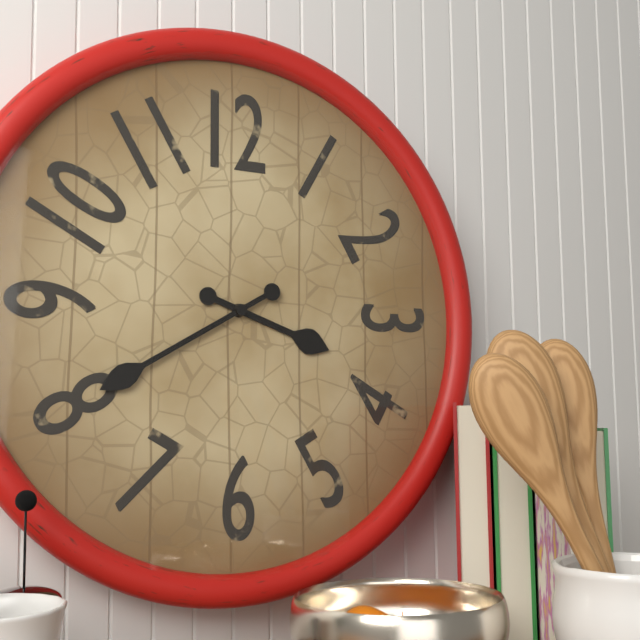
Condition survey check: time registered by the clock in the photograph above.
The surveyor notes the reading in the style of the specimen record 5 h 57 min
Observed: 3 h 40 min
